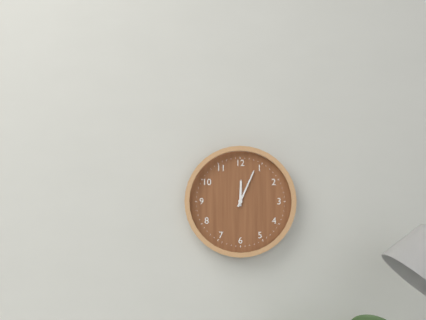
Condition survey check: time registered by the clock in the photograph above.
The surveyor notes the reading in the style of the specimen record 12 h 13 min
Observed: 12 h 04 min
